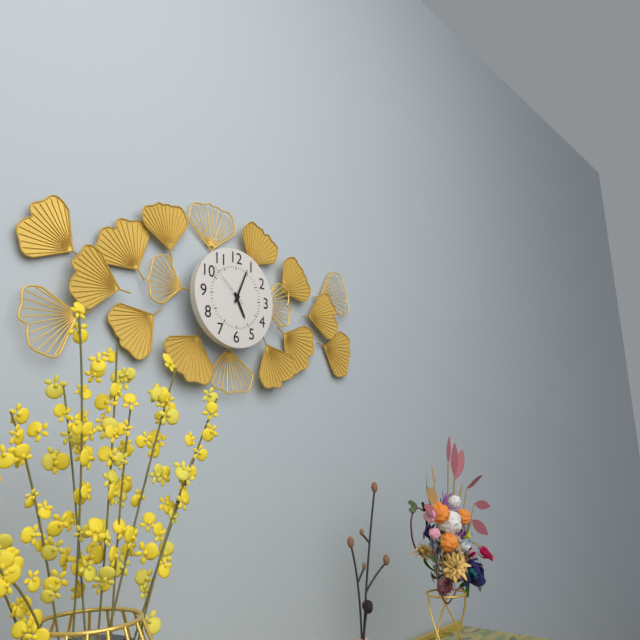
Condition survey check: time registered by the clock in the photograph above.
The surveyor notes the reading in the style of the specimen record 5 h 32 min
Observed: 5 h 04 min
